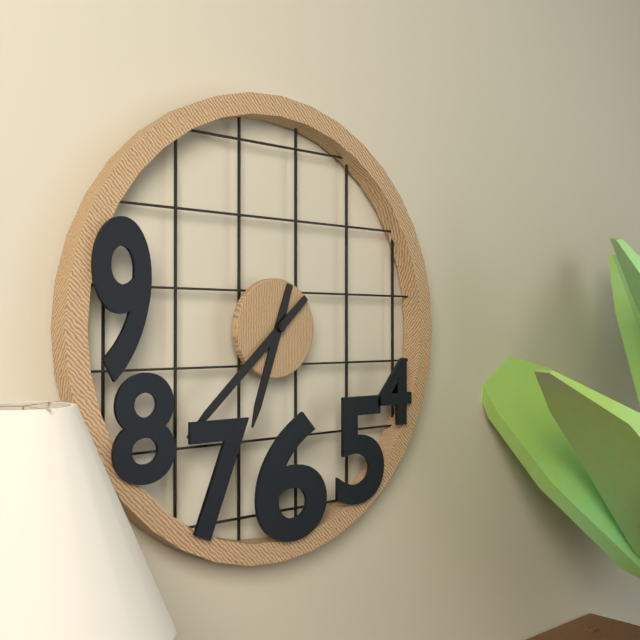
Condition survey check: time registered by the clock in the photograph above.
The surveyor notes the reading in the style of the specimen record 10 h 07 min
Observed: 6 h 38 min
